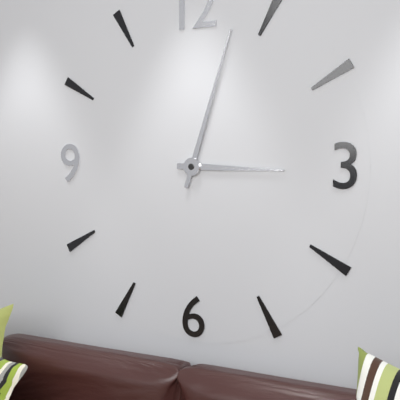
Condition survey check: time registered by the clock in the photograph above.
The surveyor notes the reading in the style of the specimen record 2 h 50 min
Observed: 3 h 03 min
